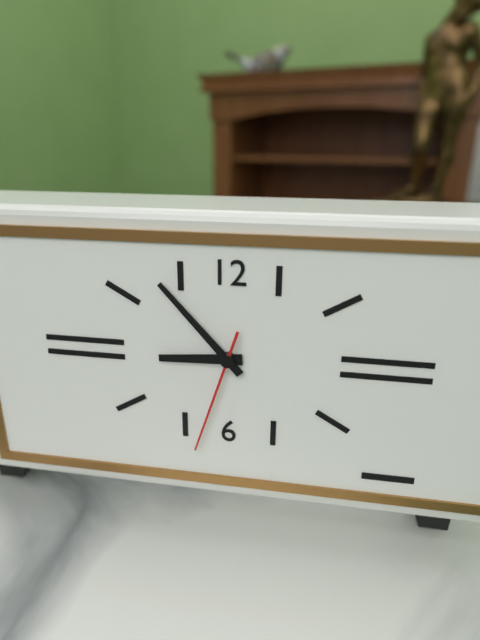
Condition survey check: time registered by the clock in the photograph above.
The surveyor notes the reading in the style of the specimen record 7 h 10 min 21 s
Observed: 8 h 53 min 33 s
